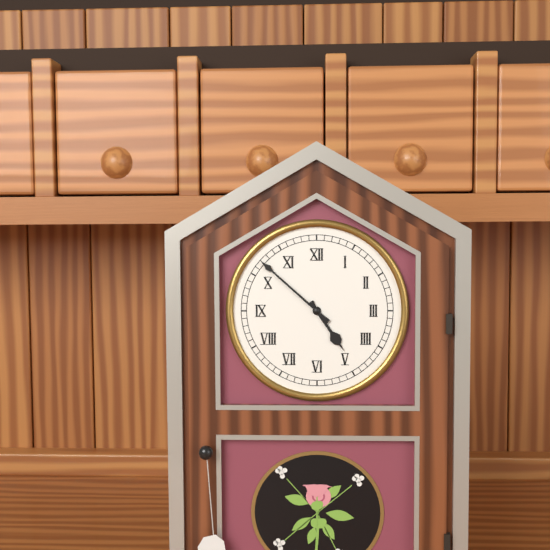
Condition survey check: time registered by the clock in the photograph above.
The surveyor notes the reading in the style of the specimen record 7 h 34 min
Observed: 4 h 52 min
